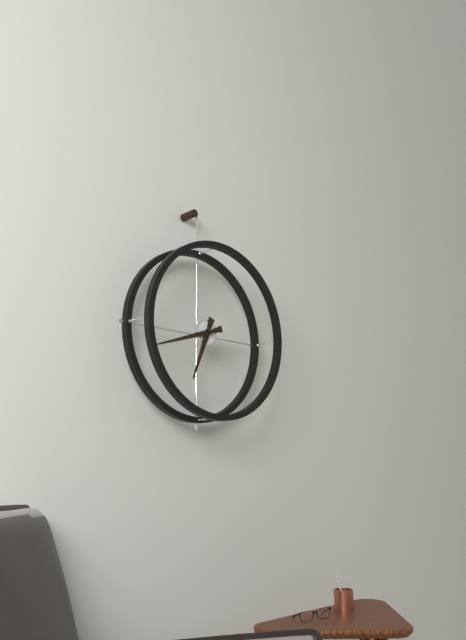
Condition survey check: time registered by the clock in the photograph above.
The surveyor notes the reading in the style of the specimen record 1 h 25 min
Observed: 6 h 42 min
